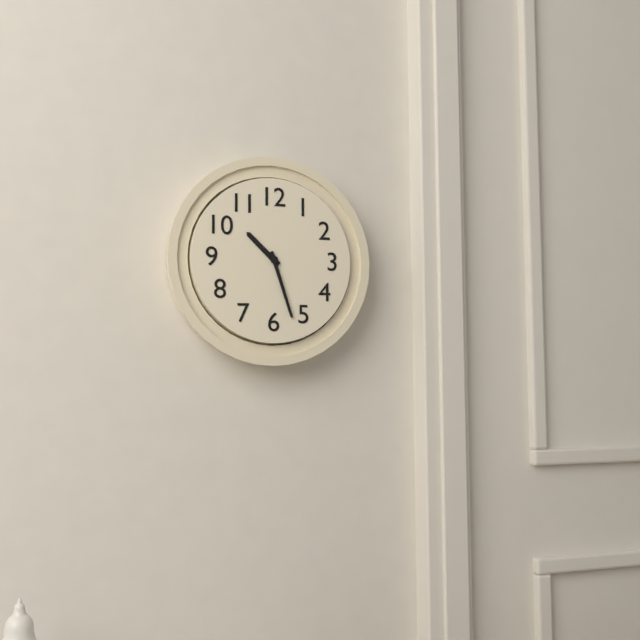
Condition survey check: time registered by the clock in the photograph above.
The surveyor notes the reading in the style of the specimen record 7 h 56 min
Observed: 10 h 27 min
